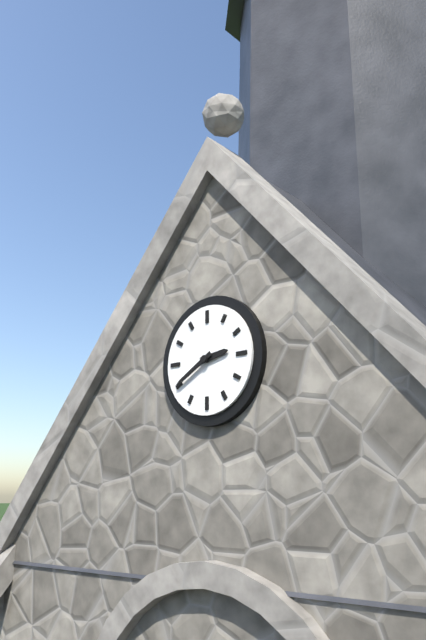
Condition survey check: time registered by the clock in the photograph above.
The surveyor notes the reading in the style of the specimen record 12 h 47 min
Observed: 2 h 40 min
